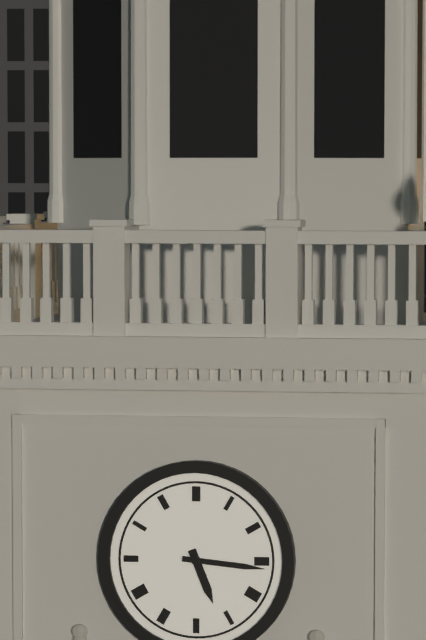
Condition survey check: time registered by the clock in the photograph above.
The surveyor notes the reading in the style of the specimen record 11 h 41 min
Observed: 5 h 16 min
